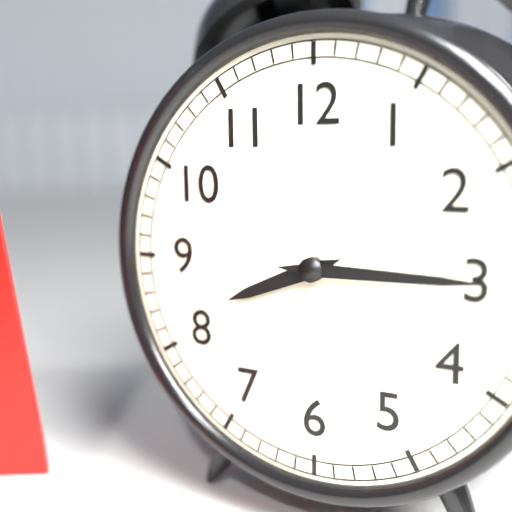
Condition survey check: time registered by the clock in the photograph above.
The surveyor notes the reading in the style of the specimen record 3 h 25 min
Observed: 8 h 15 min
